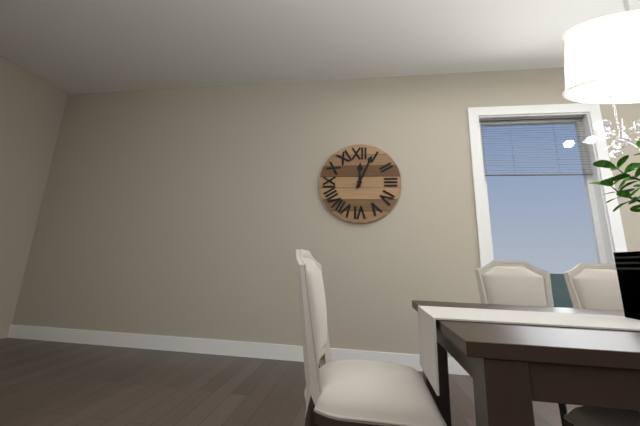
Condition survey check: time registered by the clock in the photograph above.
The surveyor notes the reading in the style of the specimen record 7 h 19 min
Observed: 12 h 04 min
